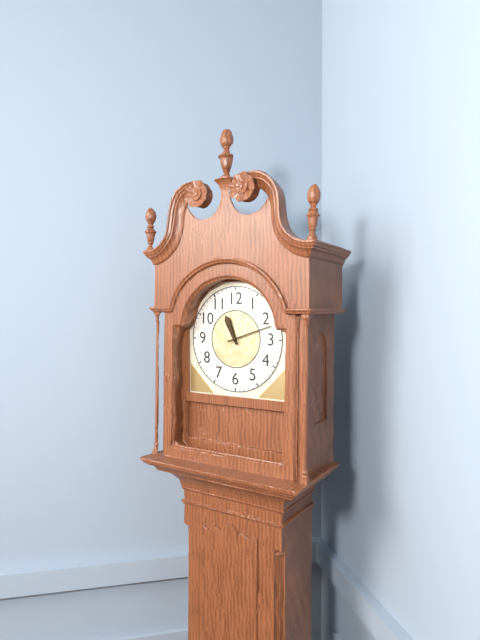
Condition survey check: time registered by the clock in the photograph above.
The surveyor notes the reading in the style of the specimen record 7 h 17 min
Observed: 11 h 12 min
